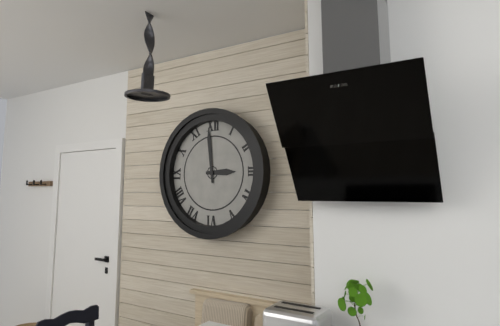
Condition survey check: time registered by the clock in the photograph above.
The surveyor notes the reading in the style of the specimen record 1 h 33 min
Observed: 2 h 59 min
